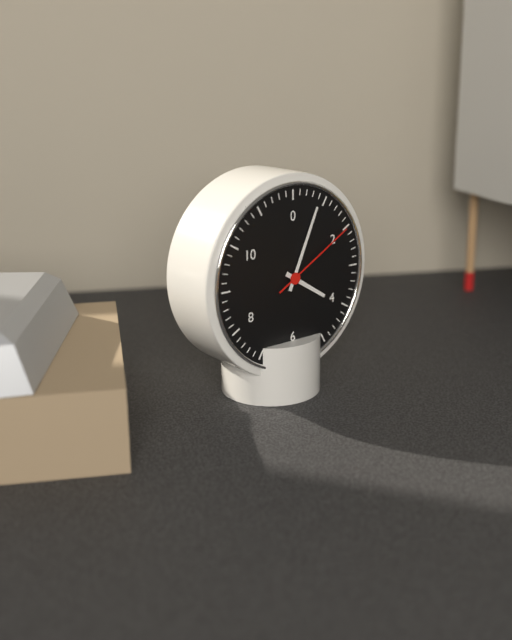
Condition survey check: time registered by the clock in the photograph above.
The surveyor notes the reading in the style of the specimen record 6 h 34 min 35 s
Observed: 4 h 04 min 10 s
